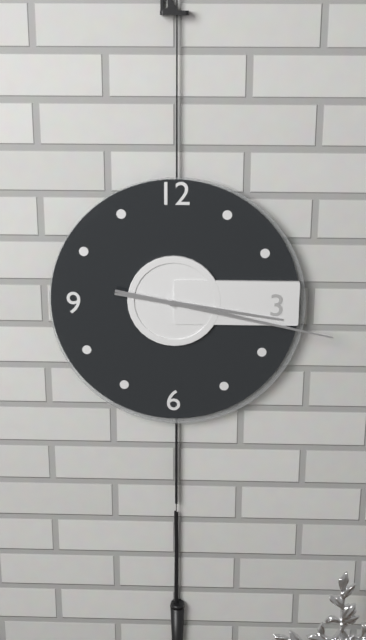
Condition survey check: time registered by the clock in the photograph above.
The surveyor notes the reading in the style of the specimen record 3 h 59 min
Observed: 3 h 17 min
